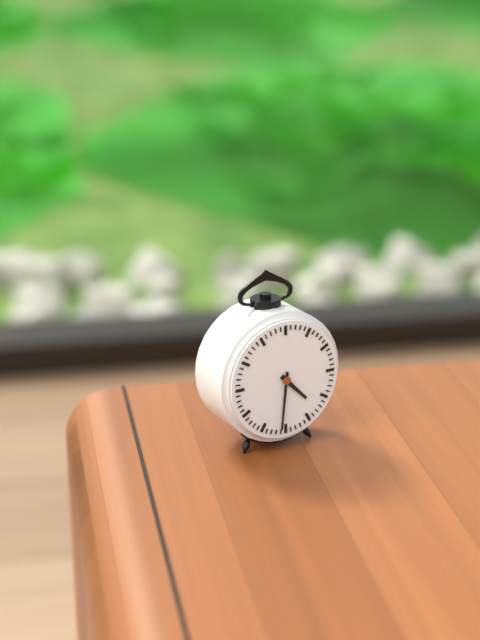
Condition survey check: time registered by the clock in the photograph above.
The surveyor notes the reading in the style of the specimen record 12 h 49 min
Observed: 4 h 31 min
